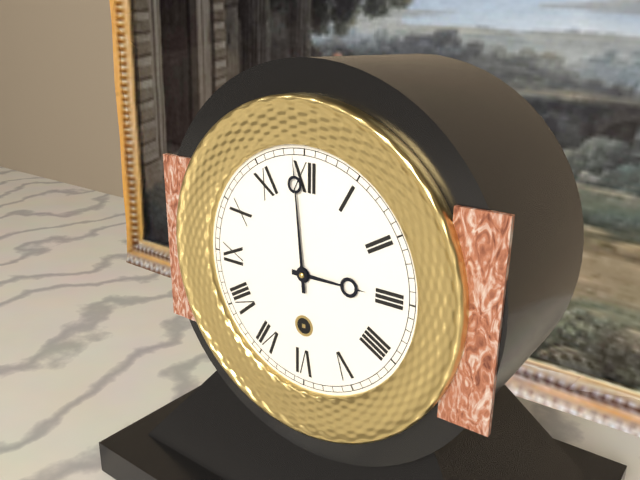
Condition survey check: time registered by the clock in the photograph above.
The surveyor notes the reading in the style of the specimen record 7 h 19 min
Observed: 2 h 59 min
